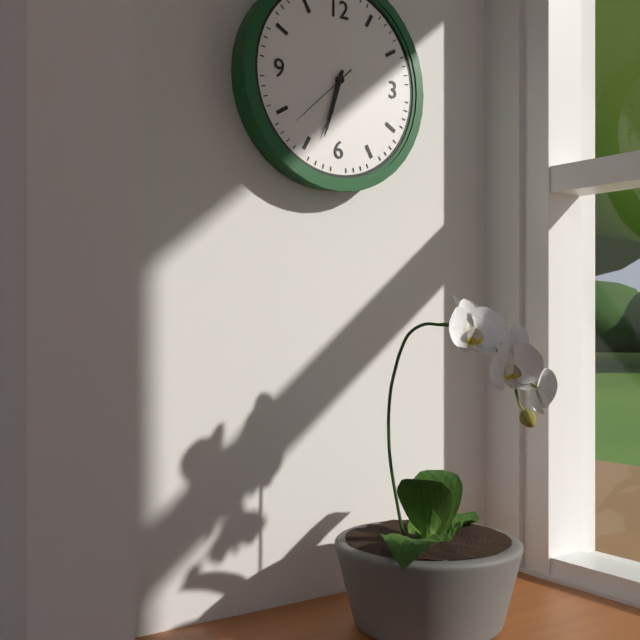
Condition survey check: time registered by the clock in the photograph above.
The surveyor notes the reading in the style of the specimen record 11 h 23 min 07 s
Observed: 6 h 33 min 38 s
